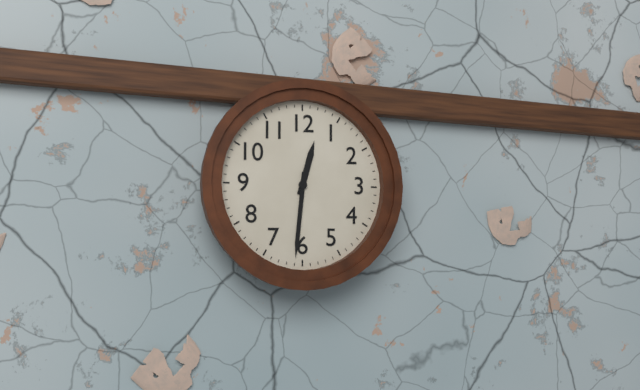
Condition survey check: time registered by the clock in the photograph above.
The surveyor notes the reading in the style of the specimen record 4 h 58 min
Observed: 12 h 31 min
